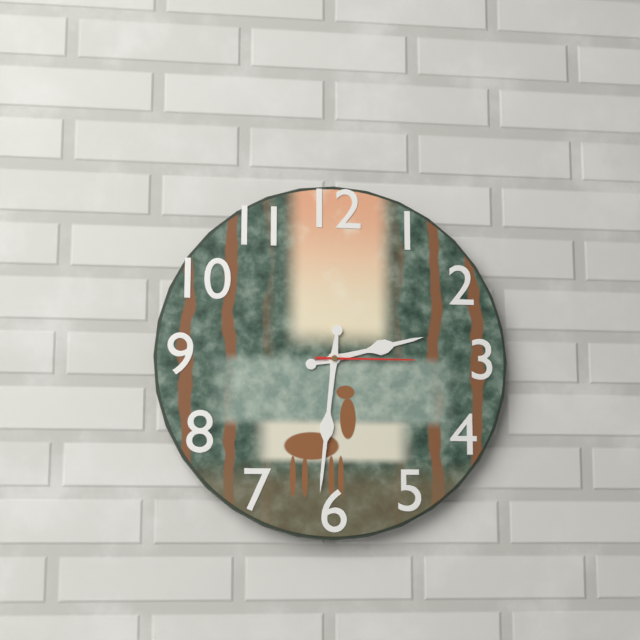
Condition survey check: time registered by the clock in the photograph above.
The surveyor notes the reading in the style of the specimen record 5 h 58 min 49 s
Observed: 2 h 31 min 15 s
